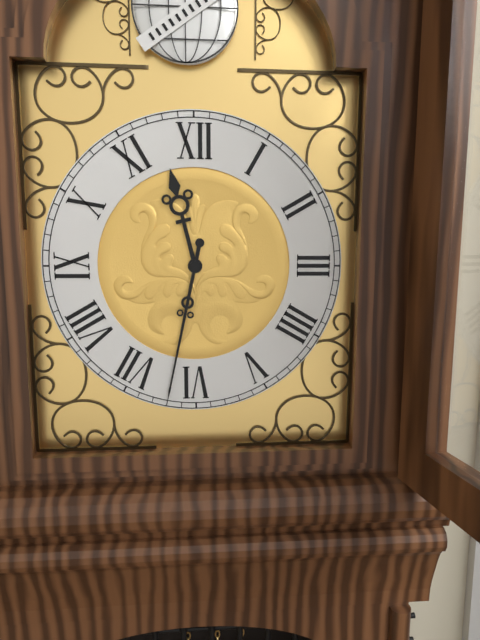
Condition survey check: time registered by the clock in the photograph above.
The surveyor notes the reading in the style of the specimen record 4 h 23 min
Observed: 11 h 32 min
